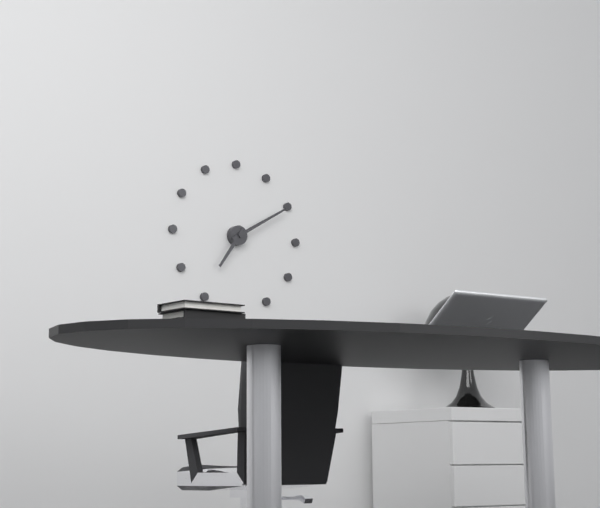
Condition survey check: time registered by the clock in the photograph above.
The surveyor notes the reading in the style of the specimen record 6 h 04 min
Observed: 7 h 10 min
